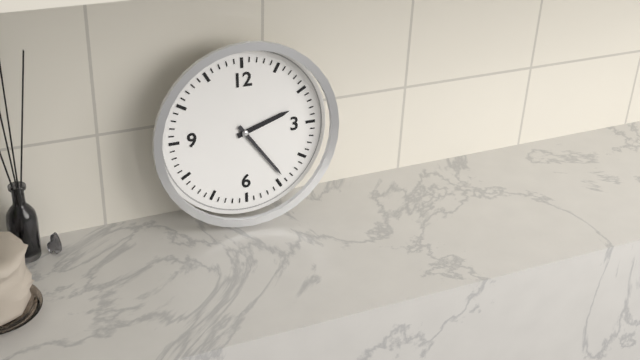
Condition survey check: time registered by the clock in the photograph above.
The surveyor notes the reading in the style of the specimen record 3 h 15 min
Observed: 2 h 24 min
